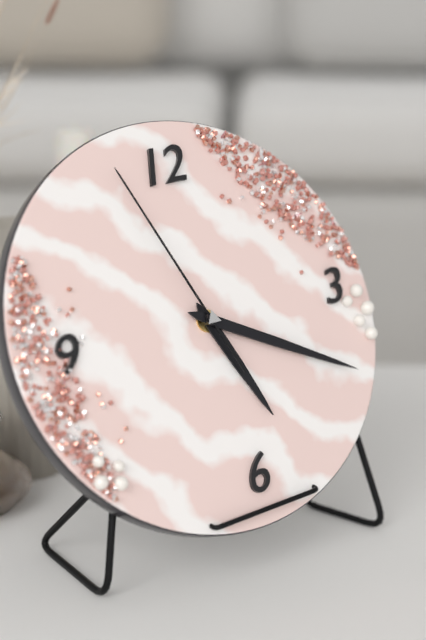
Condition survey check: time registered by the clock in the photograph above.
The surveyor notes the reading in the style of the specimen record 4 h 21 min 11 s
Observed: 5 h 20 min 57 s
